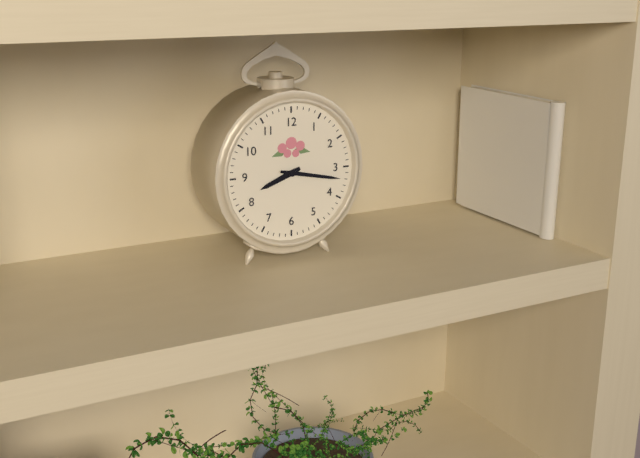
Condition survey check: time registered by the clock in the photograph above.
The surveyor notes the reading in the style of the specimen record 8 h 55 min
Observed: 8 h 17 min
